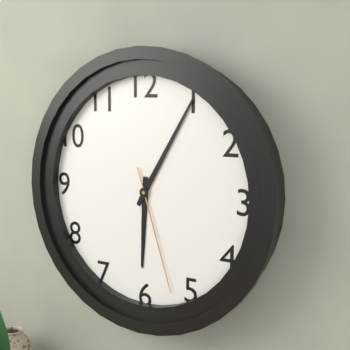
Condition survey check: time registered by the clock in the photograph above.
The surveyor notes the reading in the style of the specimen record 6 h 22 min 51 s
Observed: 6 h 05 min 27 s
